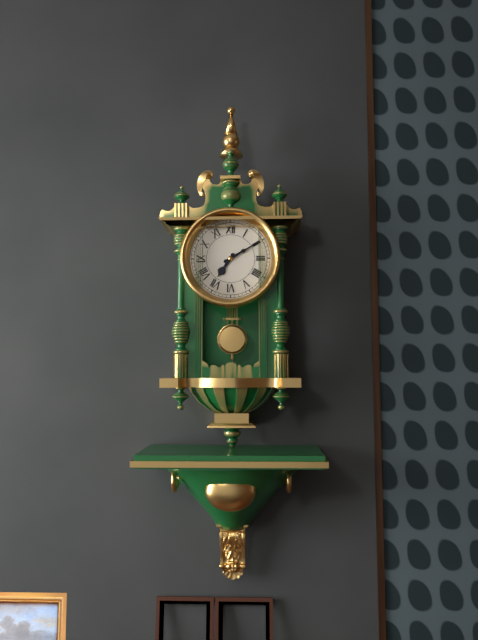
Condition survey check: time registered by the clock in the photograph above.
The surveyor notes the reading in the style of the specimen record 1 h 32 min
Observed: 7 h 10 min
